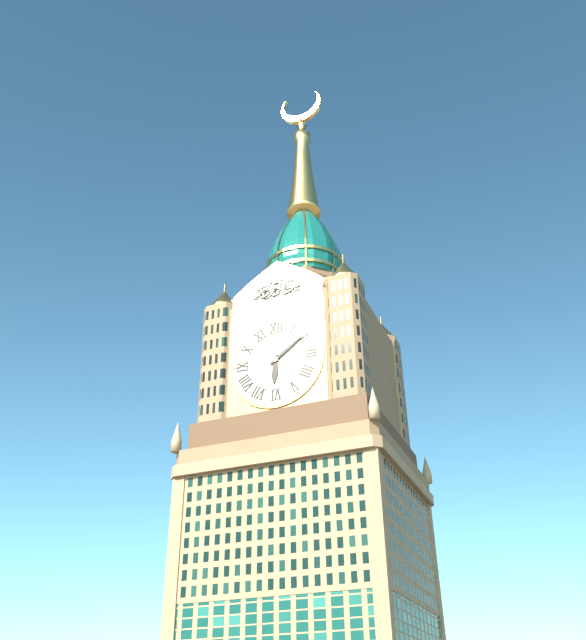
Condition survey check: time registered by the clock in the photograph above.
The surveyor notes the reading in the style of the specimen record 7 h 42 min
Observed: 6 h 09 min
